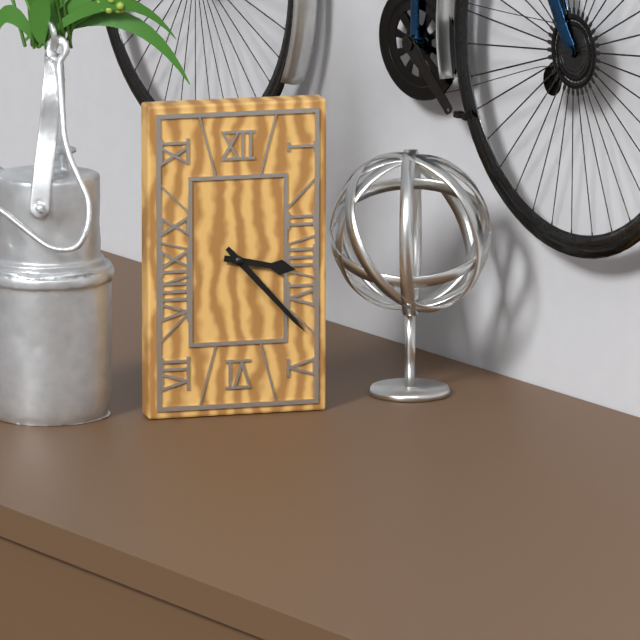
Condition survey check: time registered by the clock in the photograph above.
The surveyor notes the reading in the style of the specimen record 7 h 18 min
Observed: 3 h 23 min
